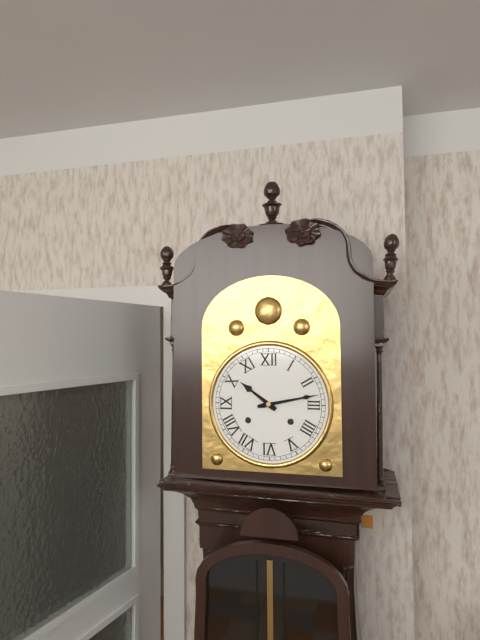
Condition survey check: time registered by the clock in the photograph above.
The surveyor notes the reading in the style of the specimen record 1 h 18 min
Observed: 10 h 13 min
